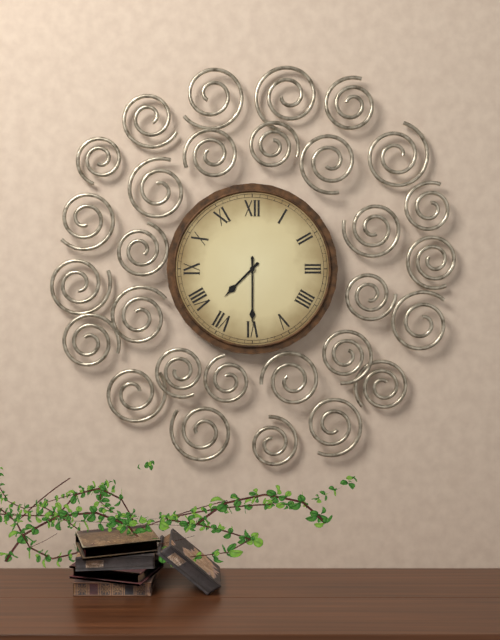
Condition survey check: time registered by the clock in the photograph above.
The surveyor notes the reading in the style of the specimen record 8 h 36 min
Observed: 7 h 30 min
